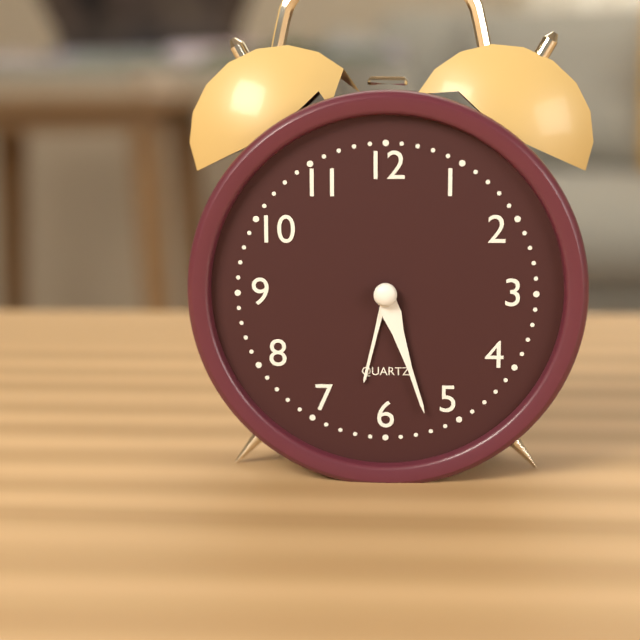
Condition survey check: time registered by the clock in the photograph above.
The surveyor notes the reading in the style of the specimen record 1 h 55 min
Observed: 6 h 27 min
